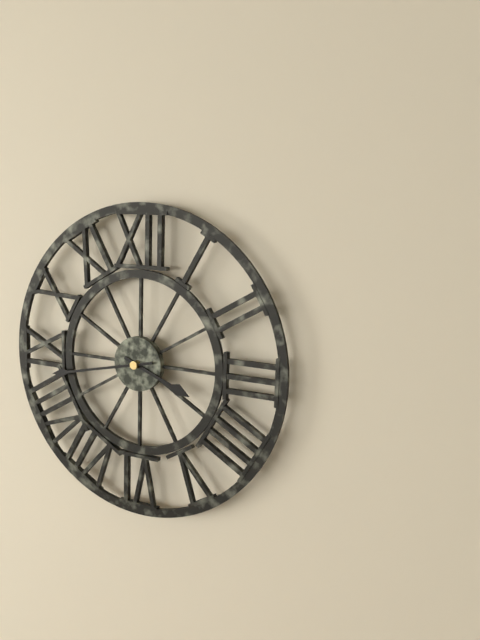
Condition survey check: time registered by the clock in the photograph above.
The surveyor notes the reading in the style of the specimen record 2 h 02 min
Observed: 3 h 43 min
